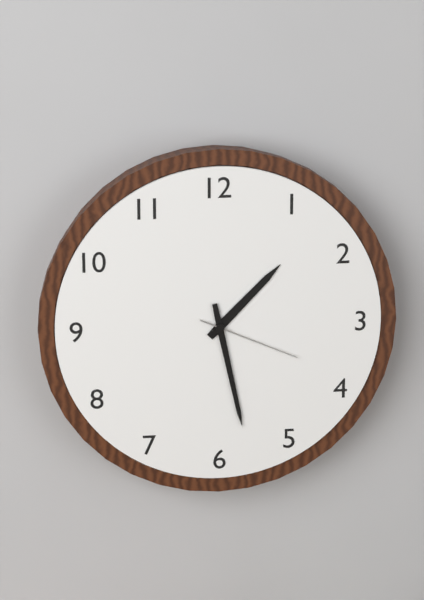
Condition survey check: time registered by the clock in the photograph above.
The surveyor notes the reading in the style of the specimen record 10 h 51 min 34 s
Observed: 1 h 28 min 19 s
